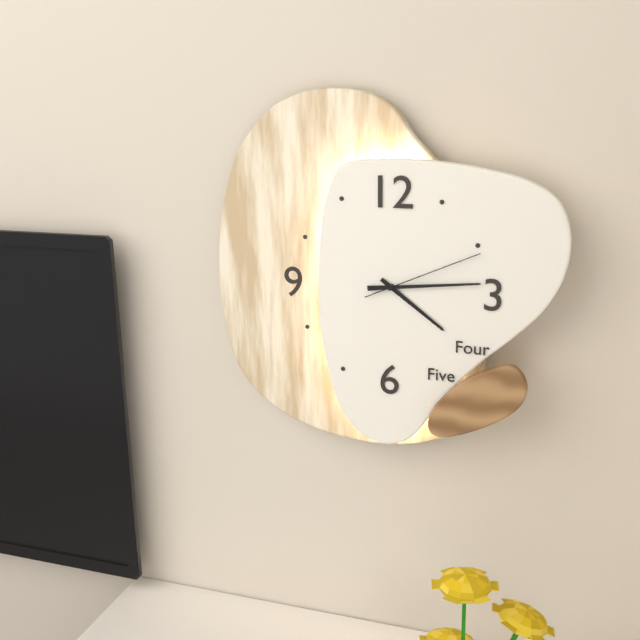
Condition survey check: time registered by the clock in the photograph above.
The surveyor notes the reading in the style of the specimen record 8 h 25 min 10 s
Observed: 4 h 14 min 11 s
